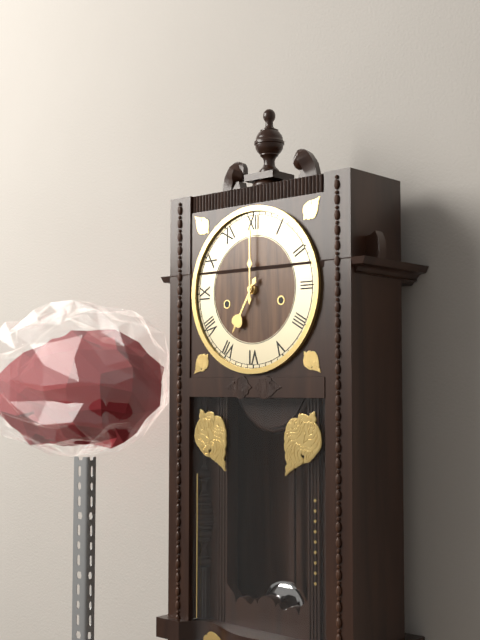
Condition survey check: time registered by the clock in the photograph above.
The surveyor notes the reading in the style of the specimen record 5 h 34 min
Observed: 7 h 00 min
